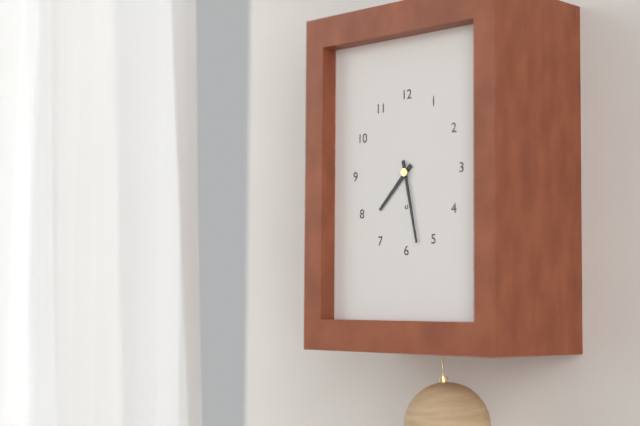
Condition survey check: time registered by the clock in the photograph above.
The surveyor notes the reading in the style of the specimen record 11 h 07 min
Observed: 7 h 28 min
